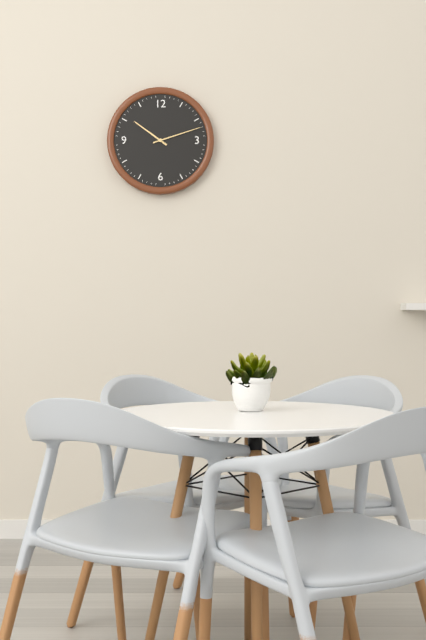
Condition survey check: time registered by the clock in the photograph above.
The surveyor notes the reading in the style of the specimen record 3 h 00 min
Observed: 10 h 12 min
